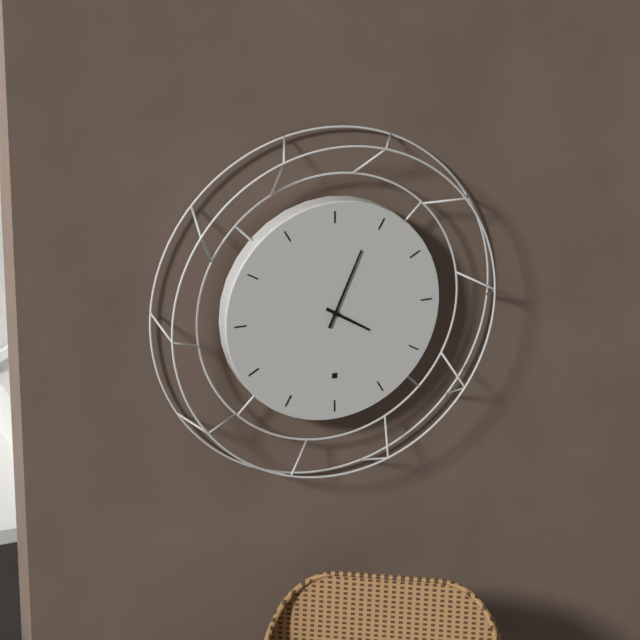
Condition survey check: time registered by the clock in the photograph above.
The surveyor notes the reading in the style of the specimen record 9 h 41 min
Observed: 4 h 04 min
